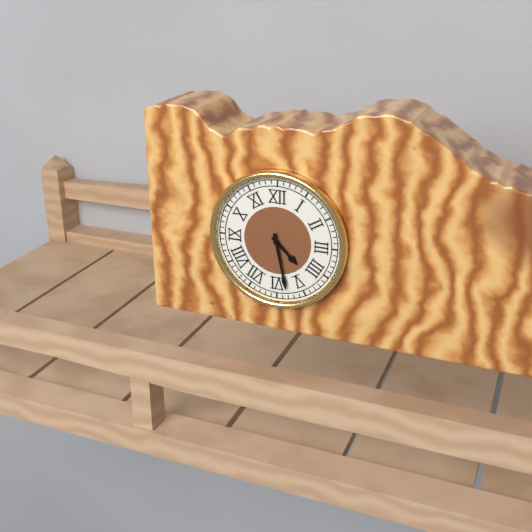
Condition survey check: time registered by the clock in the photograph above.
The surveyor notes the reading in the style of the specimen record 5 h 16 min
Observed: 4 h 28 min
